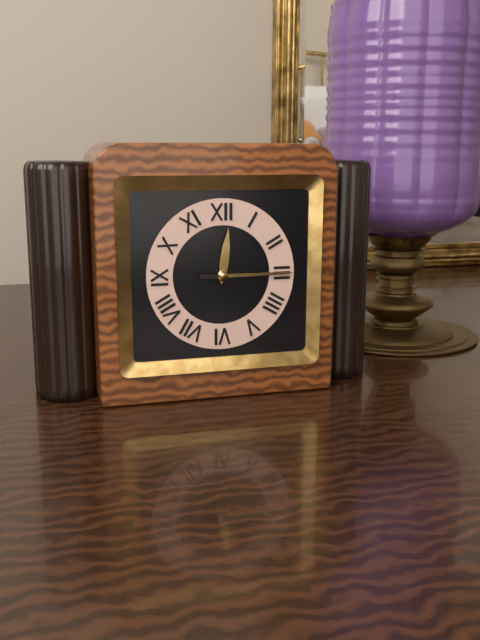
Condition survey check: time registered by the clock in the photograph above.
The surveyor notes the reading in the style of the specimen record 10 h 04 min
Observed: 12 h 15 min
